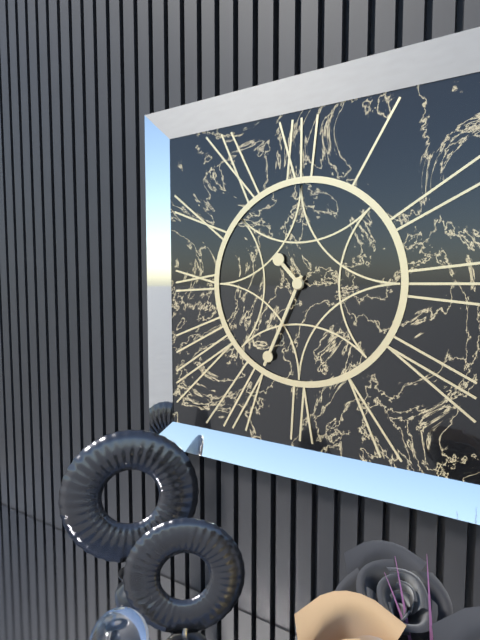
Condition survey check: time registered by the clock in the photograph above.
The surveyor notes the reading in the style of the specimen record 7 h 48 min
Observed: 10 h 34 min
